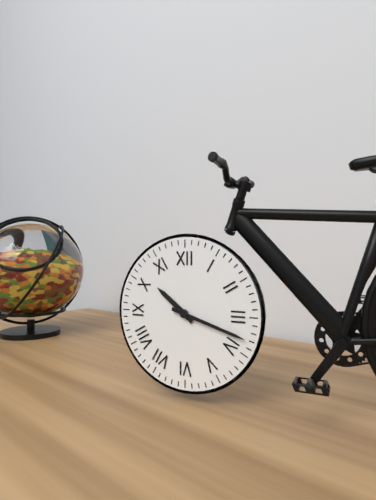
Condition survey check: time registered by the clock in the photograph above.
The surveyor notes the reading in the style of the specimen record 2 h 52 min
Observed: 10 h 18 min
